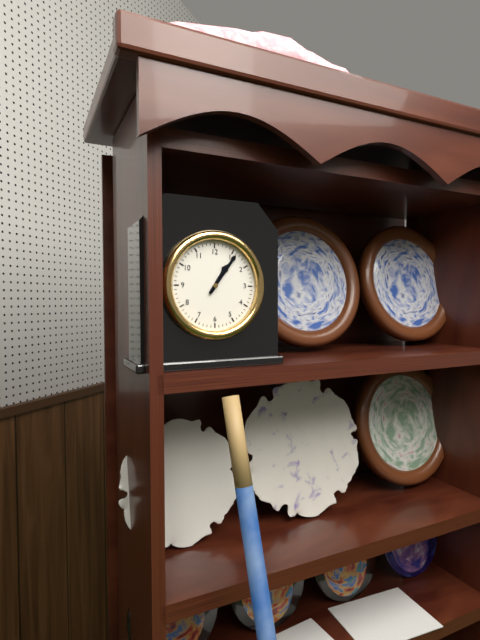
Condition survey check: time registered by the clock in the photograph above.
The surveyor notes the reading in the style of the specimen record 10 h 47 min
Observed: 1 h 06 min
